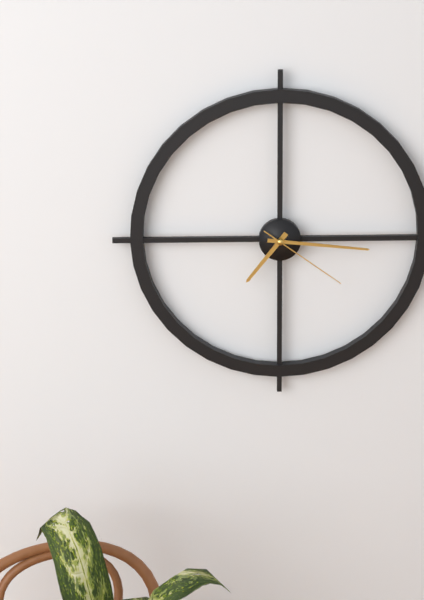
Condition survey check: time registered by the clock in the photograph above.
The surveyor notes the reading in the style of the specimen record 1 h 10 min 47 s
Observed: 7 h 16 min 21 s
